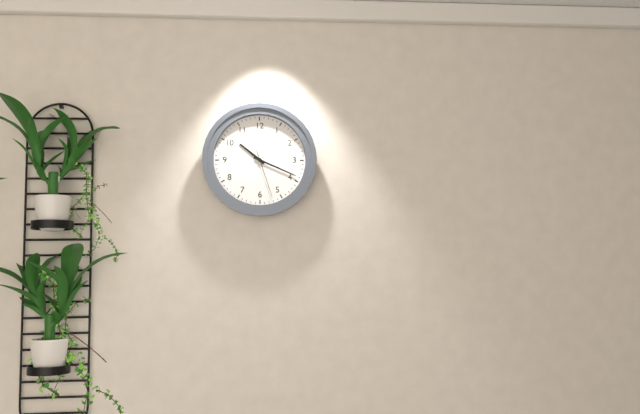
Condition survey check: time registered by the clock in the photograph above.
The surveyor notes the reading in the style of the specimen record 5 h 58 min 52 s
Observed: 10 h 19 min 27 s
